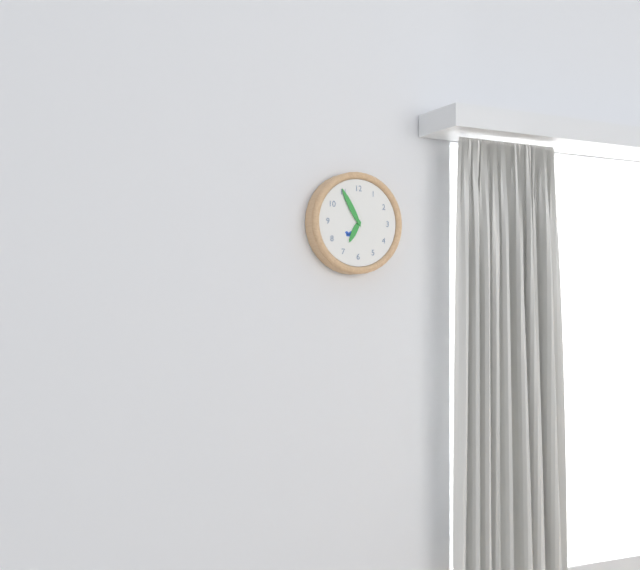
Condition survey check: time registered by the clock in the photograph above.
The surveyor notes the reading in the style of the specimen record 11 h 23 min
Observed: 6 h 55 min
